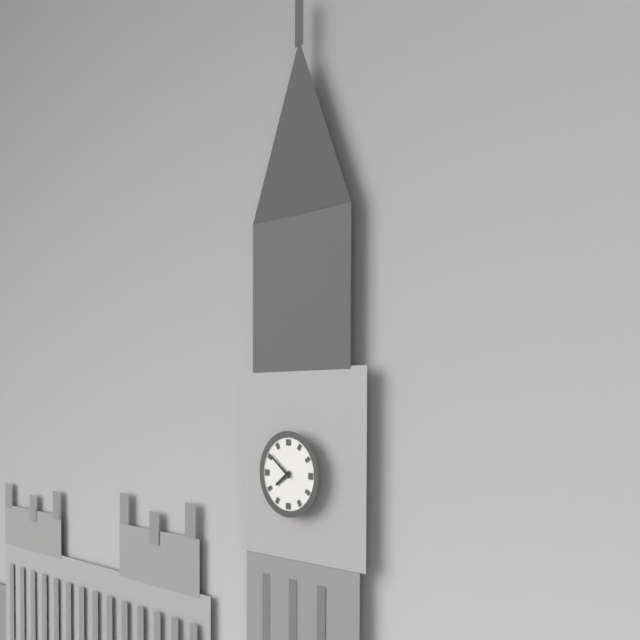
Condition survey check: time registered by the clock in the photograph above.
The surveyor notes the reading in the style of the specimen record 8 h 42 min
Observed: 7 h 51 min
